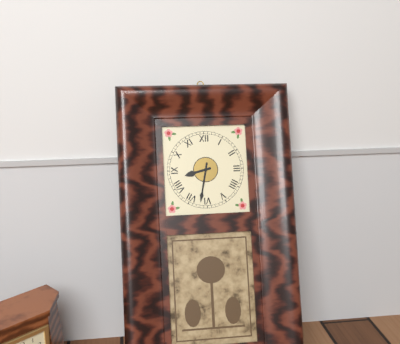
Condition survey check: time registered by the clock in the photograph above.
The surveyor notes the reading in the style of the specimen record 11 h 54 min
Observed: 8 h 32 min
